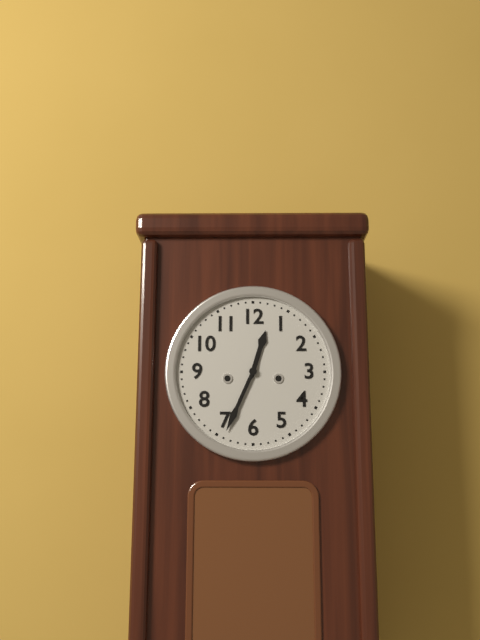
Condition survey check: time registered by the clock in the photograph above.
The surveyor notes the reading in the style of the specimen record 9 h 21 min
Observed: 12 h 34 min
